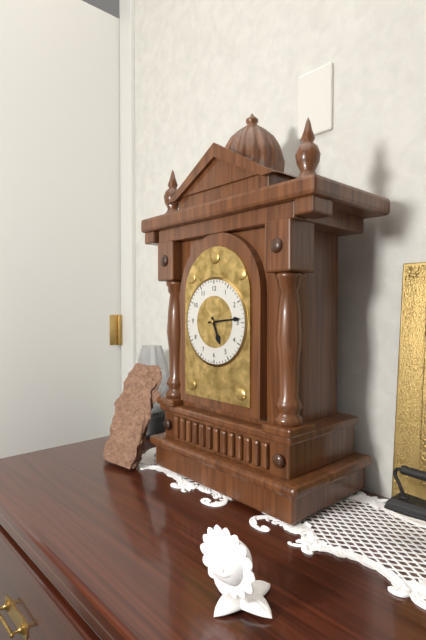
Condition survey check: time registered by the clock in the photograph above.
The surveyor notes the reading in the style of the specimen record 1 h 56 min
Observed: 5 h 14 min
